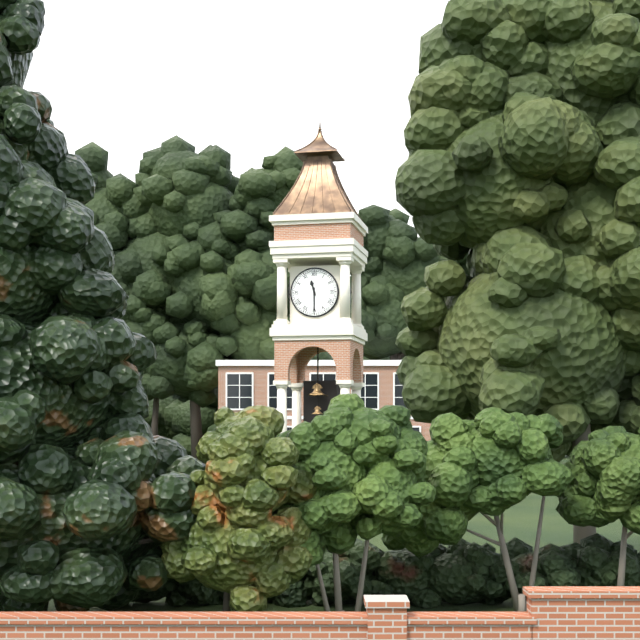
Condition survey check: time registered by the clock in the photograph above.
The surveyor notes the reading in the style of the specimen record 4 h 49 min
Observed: 11 h 30 min
